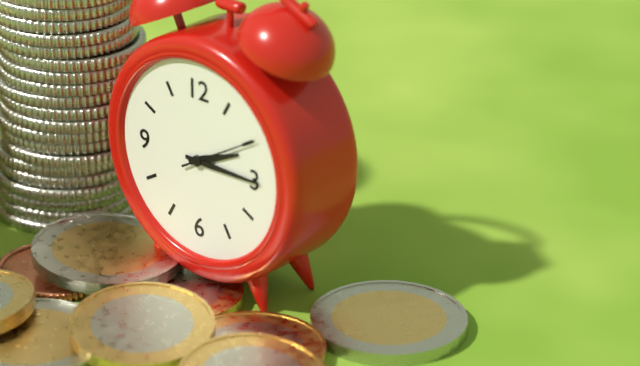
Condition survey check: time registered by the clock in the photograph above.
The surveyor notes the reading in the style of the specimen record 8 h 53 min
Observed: 2 h 15 min
